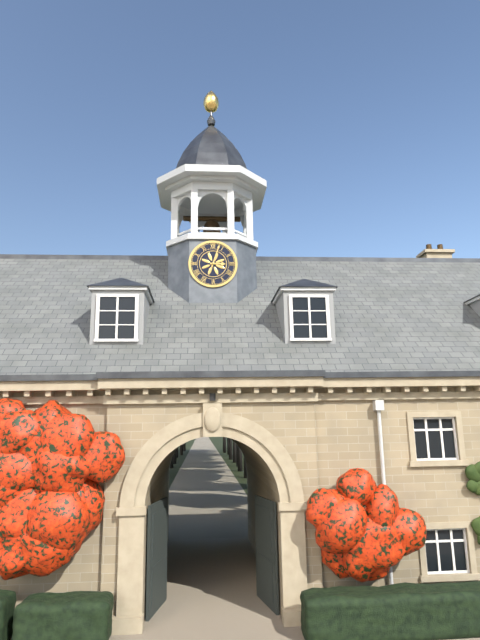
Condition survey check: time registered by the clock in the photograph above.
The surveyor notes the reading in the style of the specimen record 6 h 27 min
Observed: 3 h 03 min
